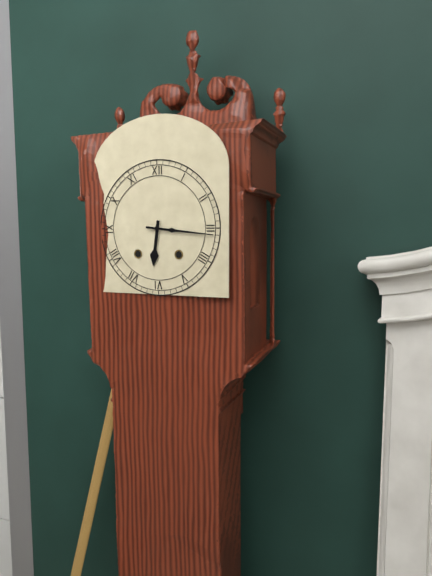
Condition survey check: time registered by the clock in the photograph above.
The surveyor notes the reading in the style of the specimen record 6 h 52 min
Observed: 6 h 16 min
